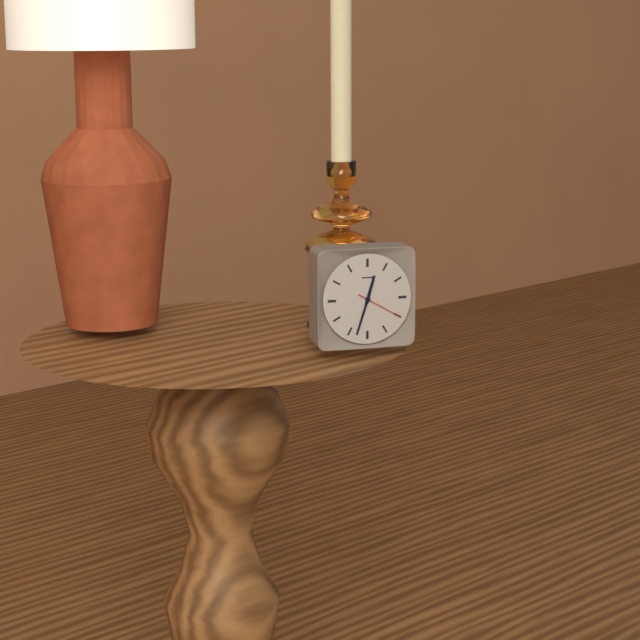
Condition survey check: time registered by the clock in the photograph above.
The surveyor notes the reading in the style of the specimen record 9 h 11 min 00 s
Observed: 12 h 33 min 20 s
